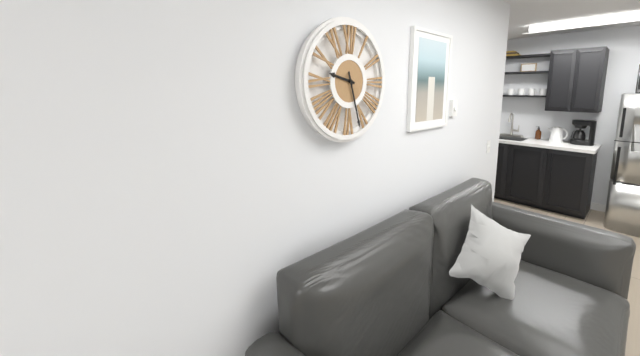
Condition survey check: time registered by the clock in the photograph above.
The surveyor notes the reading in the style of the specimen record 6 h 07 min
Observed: 9 h 27 min
